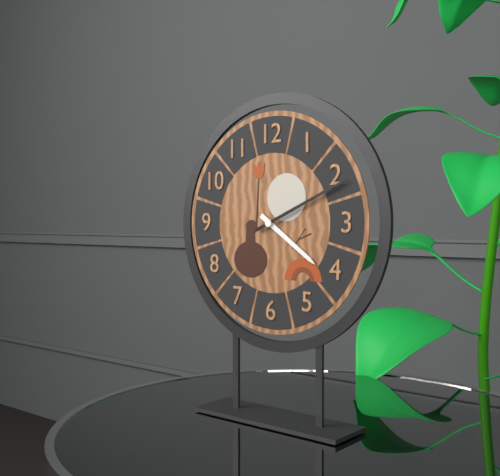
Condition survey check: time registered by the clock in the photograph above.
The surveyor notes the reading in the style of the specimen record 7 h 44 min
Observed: 4 h 11 min
